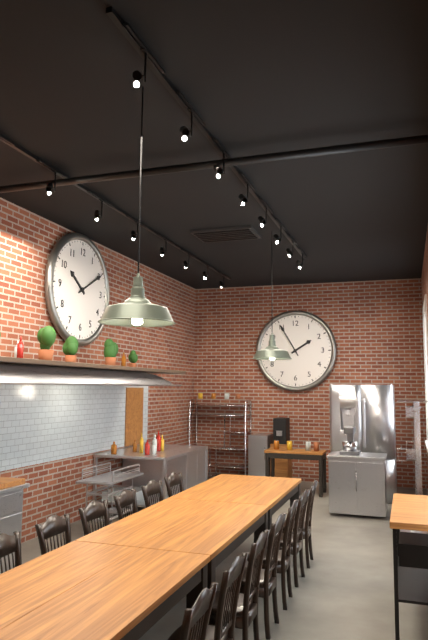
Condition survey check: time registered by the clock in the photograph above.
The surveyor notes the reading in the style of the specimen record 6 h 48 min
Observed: 1 h 55 min
